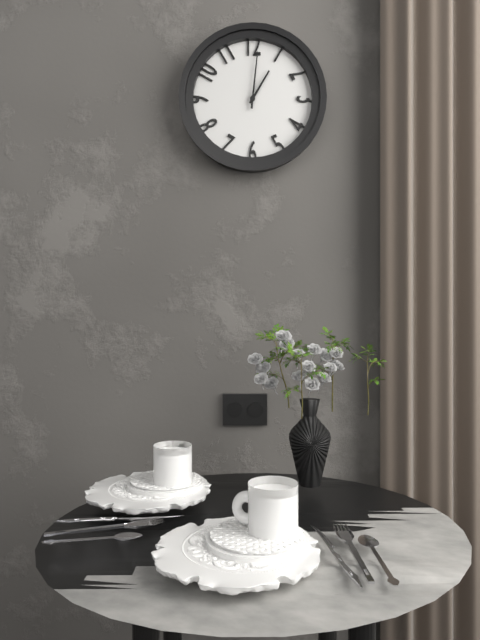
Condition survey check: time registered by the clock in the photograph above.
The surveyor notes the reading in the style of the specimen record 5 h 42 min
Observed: 1 h 01 min
